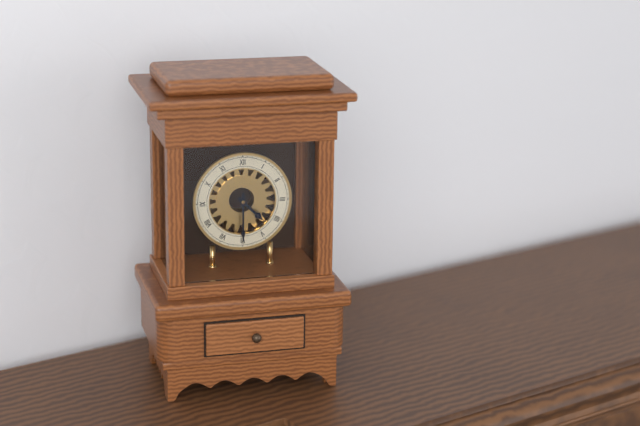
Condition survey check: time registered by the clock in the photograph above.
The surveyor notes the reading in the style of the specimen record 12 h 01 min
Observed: 4 h 30 min
